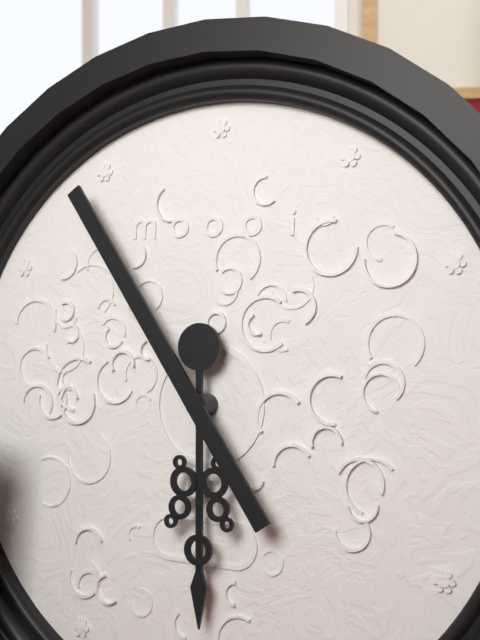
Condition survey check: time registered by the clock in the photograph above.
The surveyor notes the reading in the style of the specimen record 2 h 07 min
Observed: 5 h 54 min
